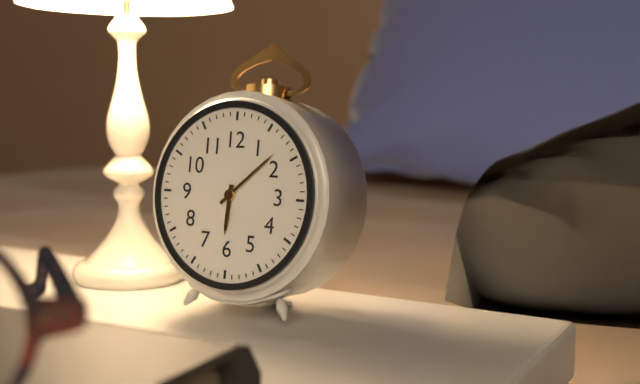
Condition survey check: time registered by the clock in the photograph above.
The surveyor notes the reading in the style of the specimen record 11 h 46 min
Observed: 6 h 08 min
